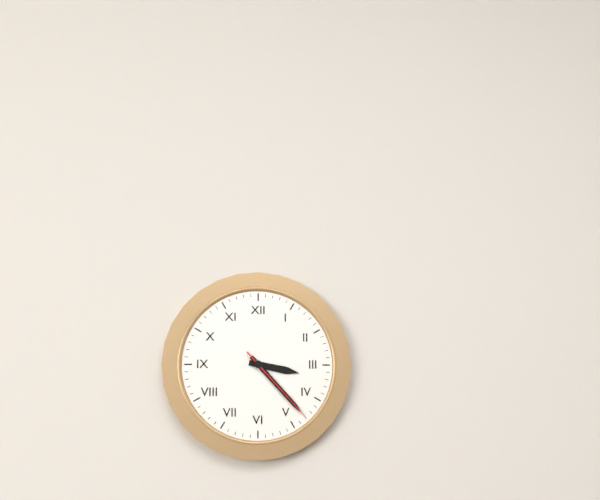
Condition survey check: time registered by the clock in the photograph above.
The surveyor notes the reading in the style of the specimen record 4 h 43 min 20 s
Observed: 3 h 23 min 23 s
